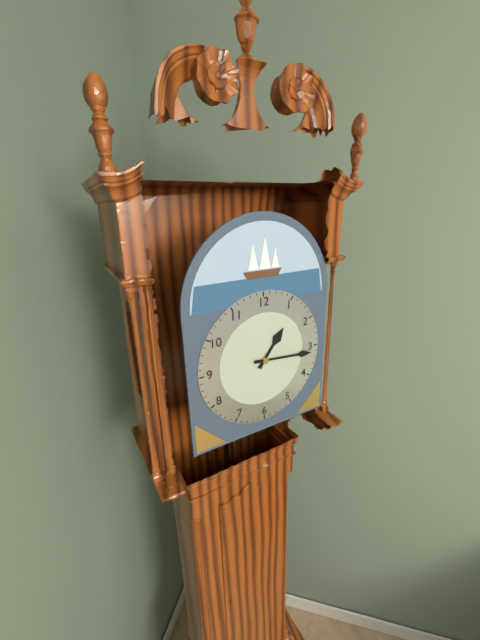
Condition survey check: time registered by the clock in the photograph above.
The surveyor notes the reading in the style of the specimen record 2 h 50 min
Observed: 1 h 16 min
